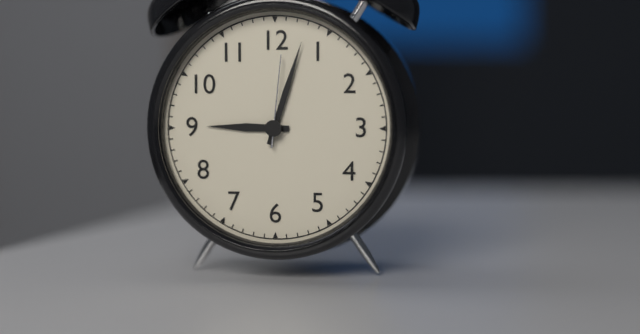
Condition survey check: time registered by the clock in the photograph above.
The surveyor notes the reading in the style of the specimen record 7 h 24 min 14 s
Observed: 9 h 03 min 01 s
